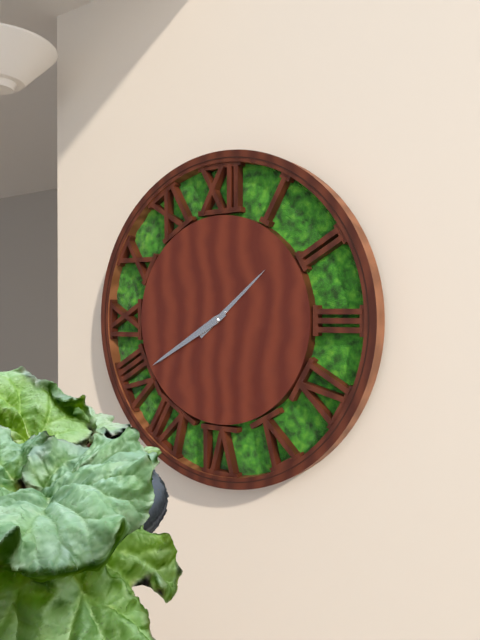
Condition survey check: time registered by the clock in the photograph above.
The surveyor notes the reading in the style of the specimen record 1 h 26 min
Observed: 1 h 40 min
